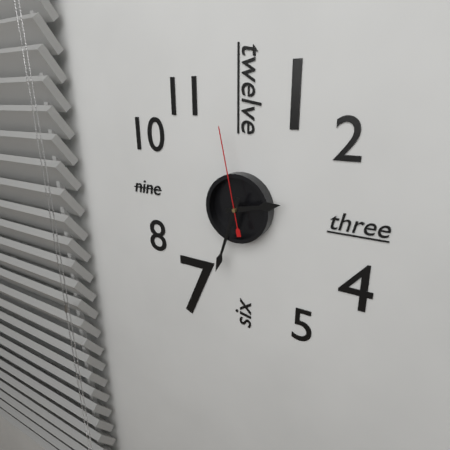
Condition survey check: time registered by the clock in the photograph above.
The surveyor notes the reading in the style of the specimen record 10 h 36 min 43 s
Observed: 2 h 33 min 58 s
